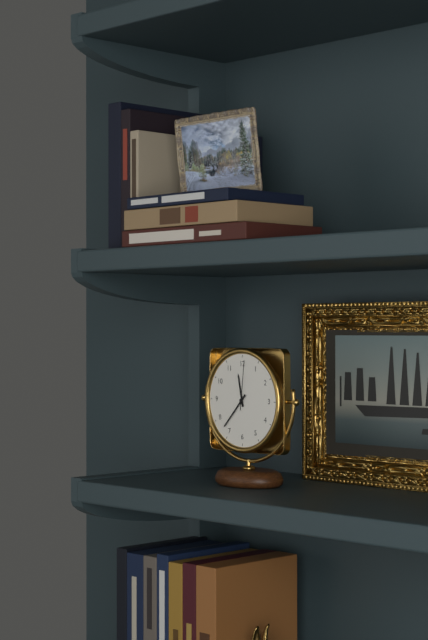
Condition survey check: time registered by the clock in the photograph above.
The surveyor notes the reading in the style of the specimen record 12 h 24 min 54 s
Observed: 11 h 37 min 01 s
